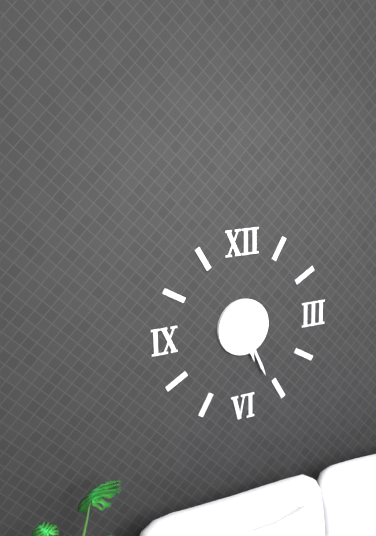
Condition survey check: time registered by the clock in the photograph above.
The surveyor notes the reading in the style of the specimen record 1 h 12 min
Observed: 5 h 26 min
